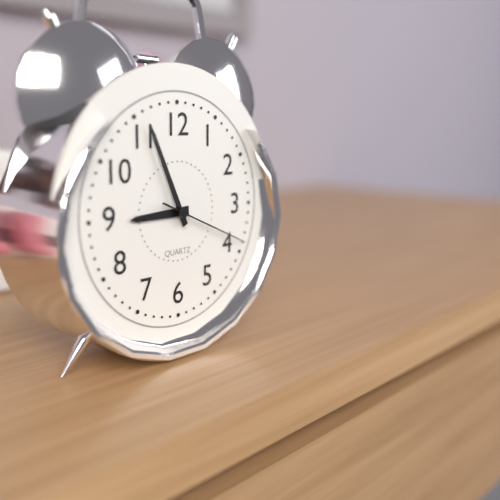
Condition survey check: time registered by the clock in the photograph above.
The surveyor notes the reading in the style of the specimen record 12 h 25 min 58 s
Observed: 8 h 56 min 19 s
